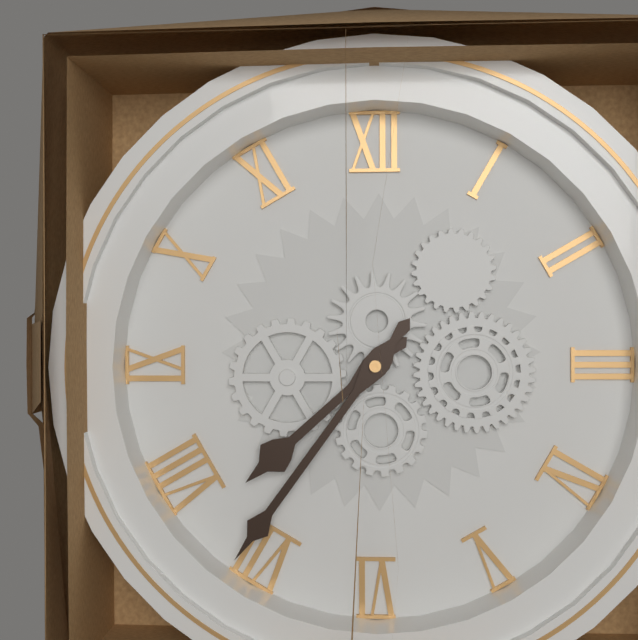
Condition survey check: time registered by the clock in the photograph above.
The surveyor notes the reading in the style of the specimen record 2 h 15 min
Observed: 7 h 36 min
